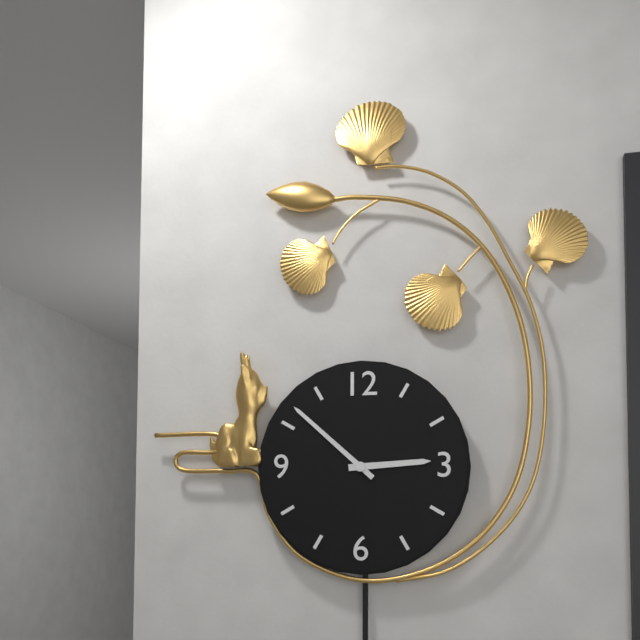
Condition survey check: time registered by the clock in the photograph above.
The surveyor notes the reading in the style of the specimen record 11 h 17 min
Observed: 2 h 52 min
